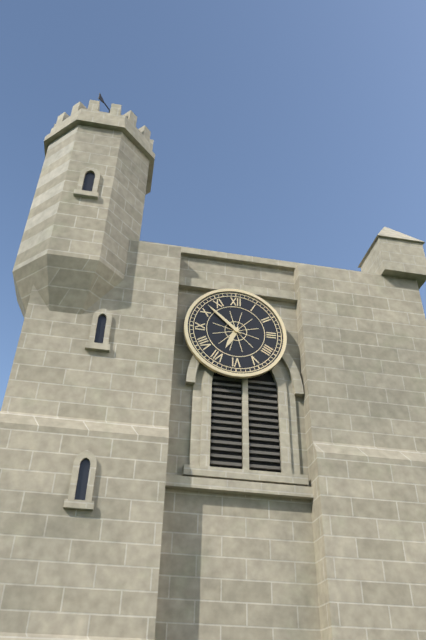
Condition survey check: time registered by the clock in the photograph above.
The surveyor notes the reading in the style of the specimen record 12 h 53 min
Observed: 6 h 52 min
